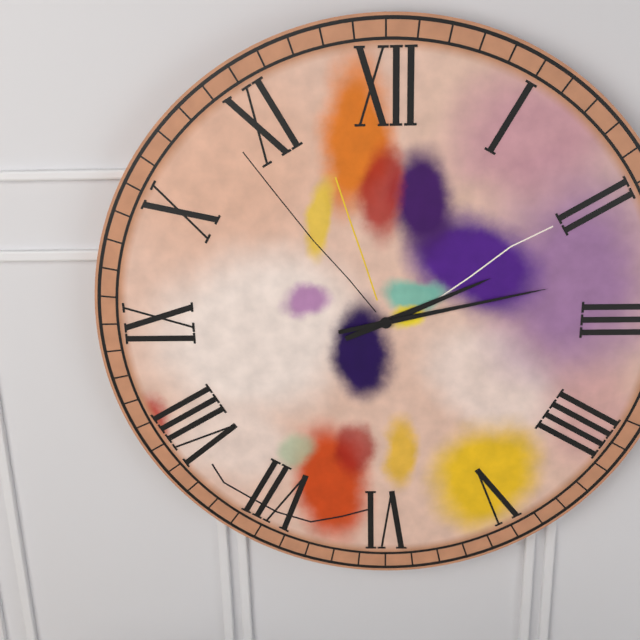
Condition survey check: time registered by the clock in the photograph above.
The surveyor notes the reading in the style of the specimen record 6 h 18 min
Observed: 2 h 13 min
